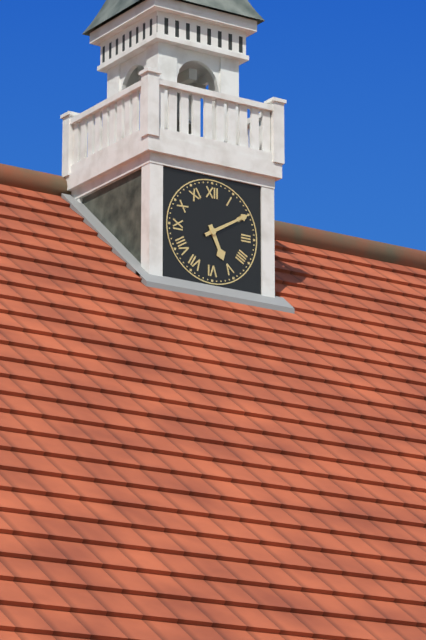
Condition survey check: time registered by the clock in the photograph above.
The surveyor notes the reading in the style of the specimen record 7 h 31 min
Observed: 5 h 10 min
